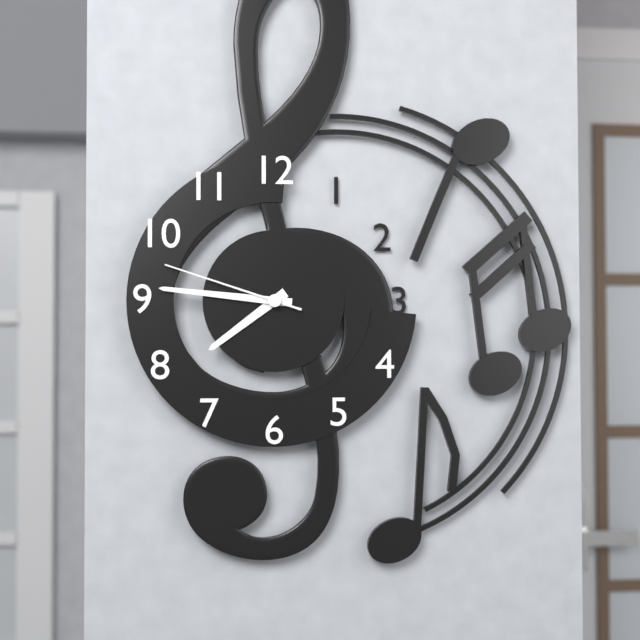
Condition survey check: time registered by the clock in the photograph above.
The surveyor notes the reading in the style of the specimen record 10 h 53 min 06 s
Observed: 7 h 46 min 48 s
